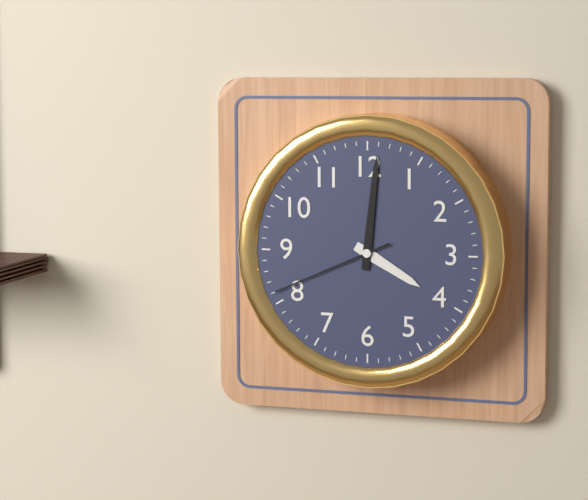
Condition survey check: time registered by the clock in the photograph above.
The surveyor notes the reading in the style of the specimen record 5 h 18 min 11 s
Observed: 4 h 01 min 41 s
